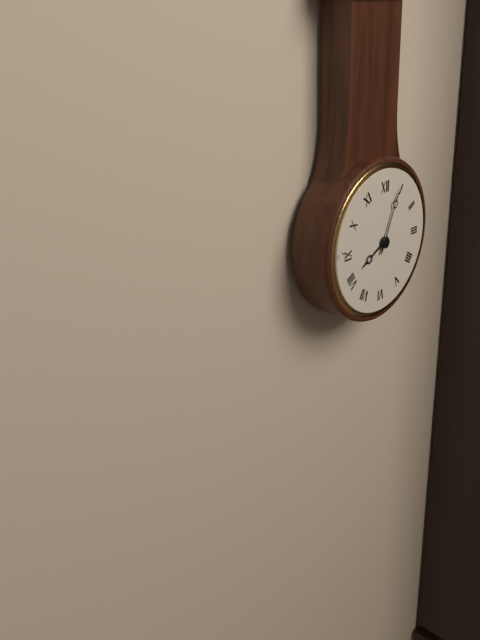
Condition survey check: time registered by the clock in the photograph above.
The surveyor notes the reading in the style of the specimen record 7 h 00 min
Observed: 8 h 04 min
